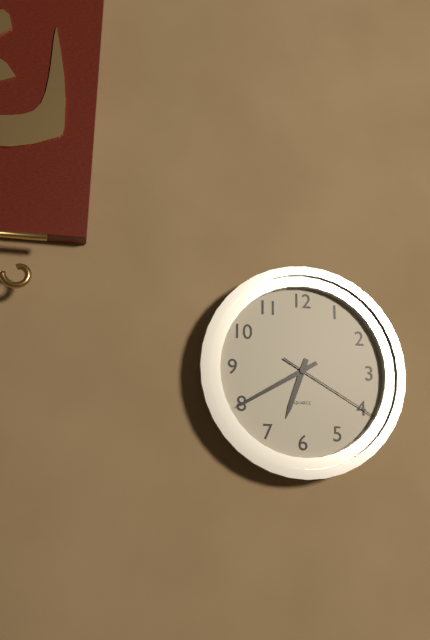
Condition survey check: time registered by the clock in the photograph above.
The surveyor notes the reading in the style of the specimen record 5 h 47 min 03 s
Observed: 6 h 40 min 20 s
